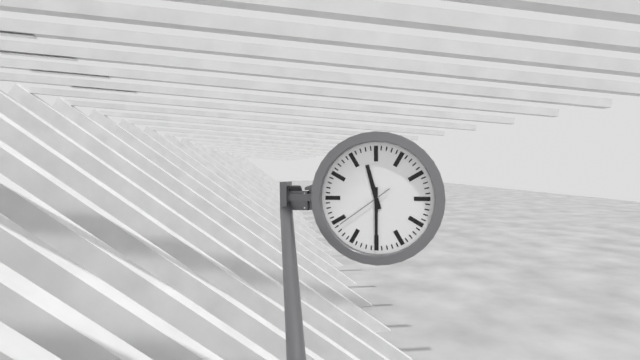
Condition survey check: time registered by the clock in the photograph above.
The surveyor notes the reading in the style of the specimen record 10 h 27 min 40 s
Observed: 11 h 30 min 39 s
